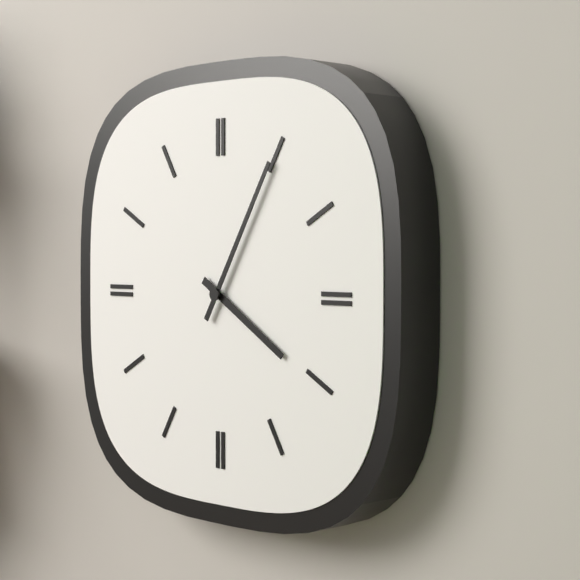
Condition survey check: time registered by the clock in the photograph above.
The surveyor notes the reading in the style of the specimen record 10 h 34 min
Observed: 4 h 05 min
